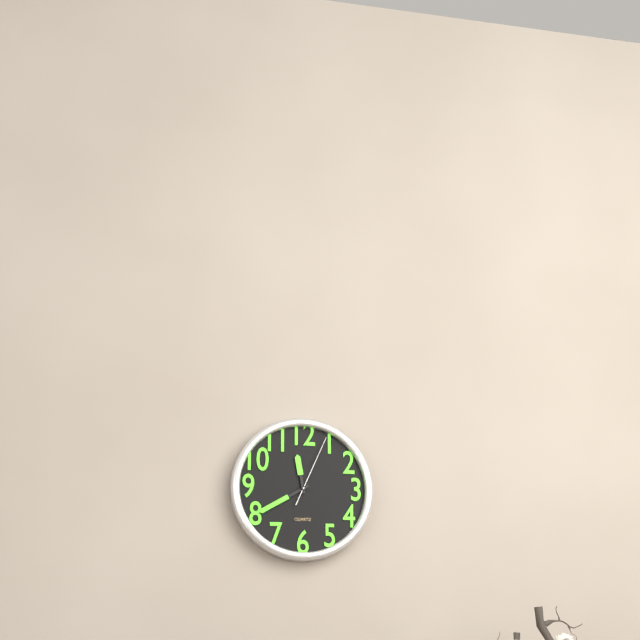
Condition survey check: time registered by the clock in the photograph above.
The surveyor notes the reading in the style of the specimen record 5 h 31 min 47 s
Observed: 11 h 40 min 04 s
